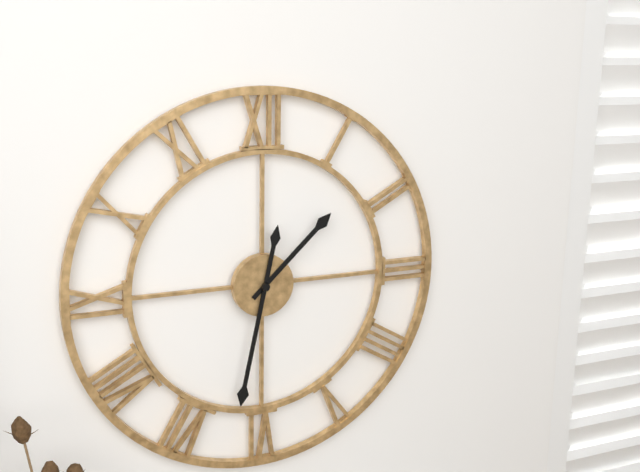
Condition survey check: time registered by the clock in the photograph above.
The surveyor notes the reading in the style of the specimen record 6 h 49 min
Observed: 1 h 32 min
